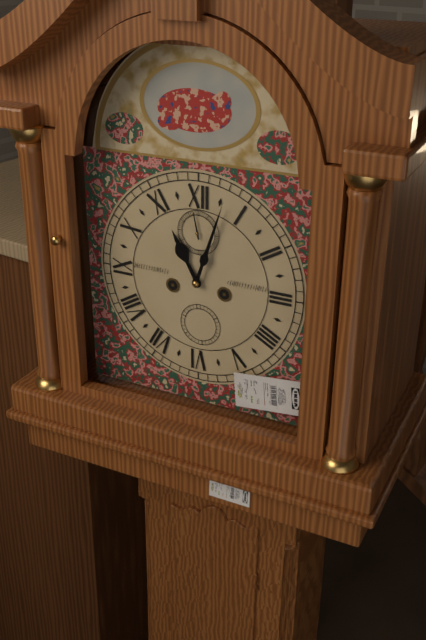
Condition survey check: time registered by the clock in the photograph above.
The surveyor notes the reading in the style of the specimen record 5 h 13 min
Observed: 11 h 03 min
